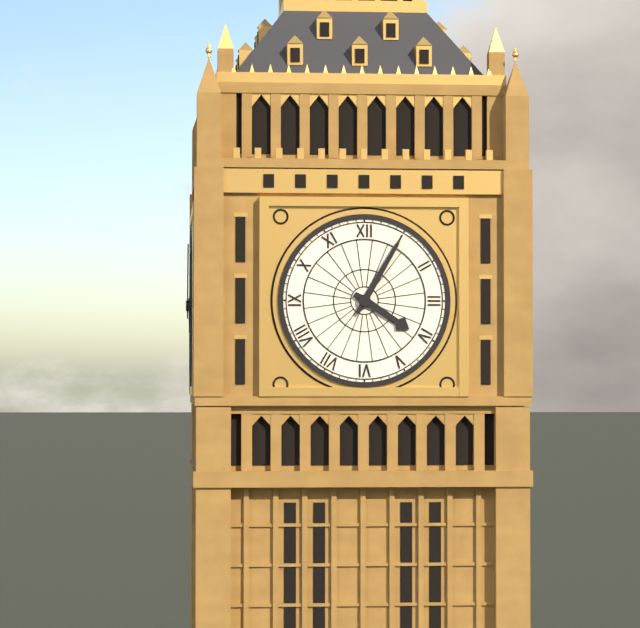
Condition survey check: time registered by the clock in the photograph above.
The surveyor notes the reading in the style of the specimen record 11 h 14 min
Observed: 4 h 05 min
